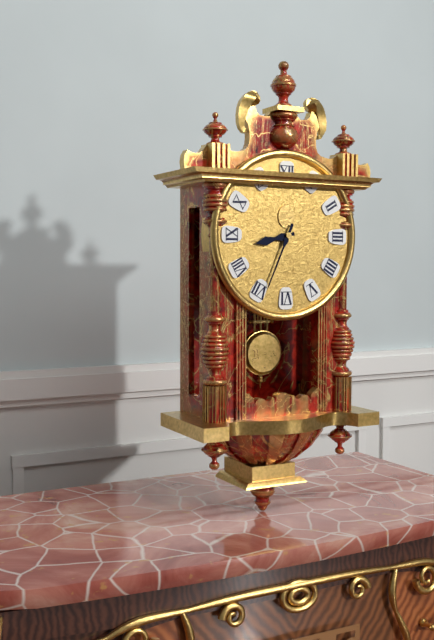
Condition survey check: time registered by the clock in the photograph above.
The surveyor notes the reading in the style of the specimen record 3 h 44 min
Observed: 8 h 34 min
